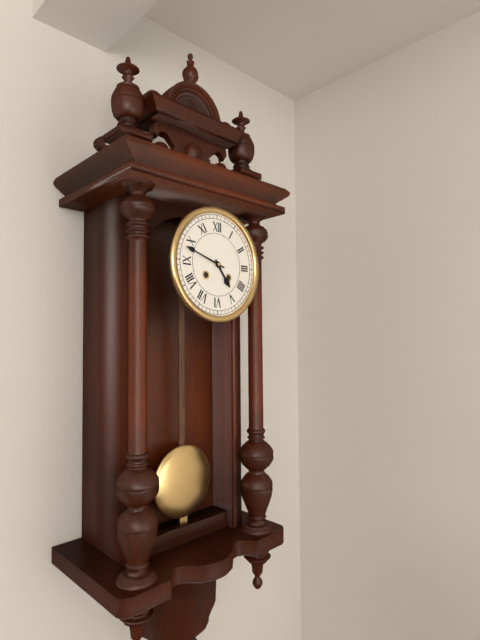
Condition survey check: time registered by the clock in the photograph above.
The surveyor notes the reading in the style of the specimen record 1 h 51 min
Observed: 4 h 48 min
